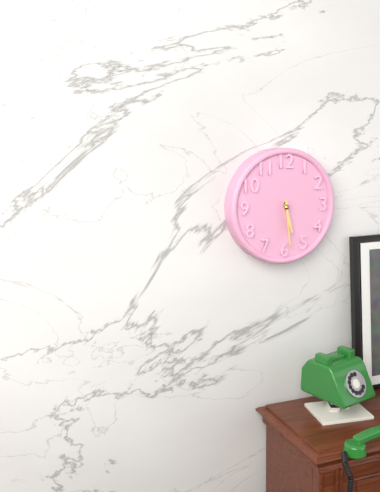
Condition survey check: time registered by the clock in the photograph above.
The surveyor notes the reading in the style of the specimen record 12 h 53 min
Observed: 5 h 29 min
